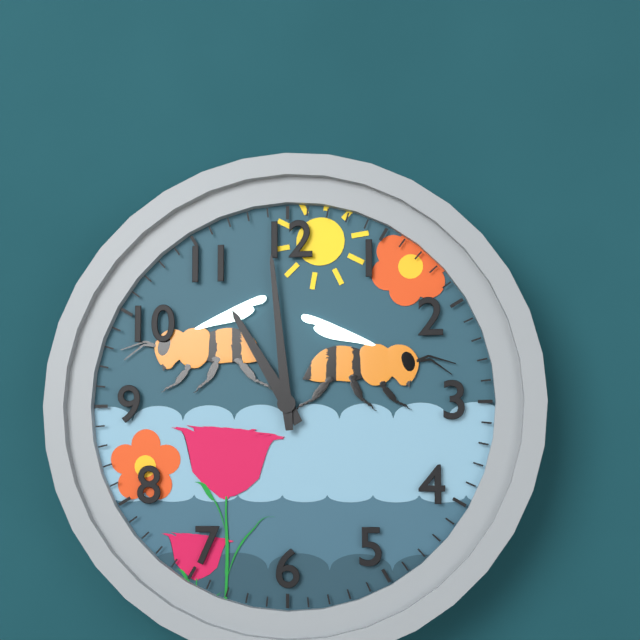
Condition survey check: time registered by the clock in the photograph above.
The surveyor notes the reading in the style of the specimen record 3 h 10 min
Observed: 10 h 59 min
